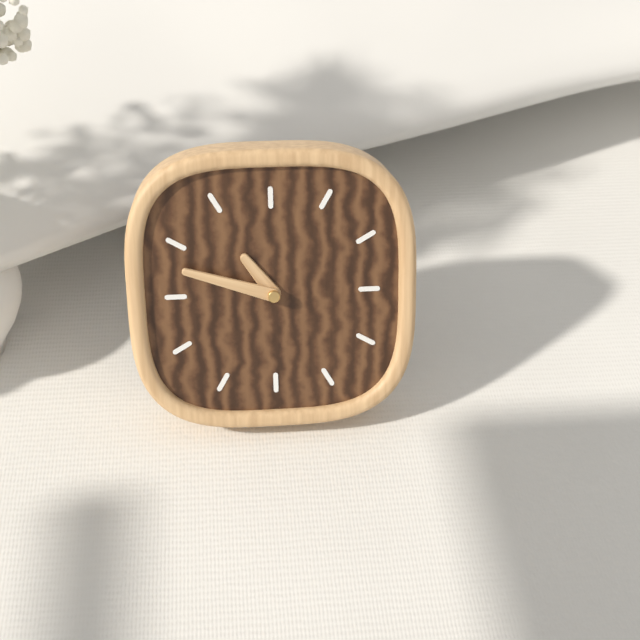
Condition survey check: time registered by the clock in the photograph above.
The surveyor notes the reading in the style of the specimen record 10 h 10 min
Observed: 10 h 48 min
